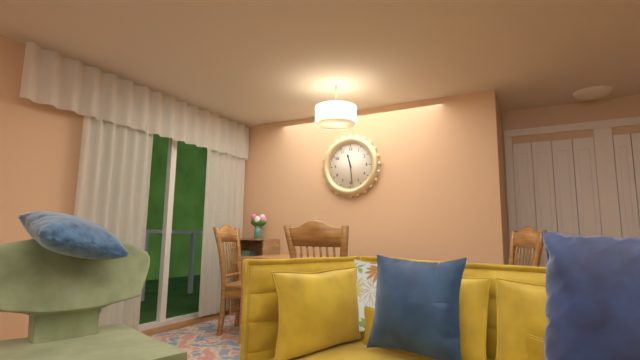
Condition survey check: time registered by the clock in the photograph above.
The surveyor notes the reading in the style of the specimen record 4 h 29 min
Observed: 11 h 29 min
